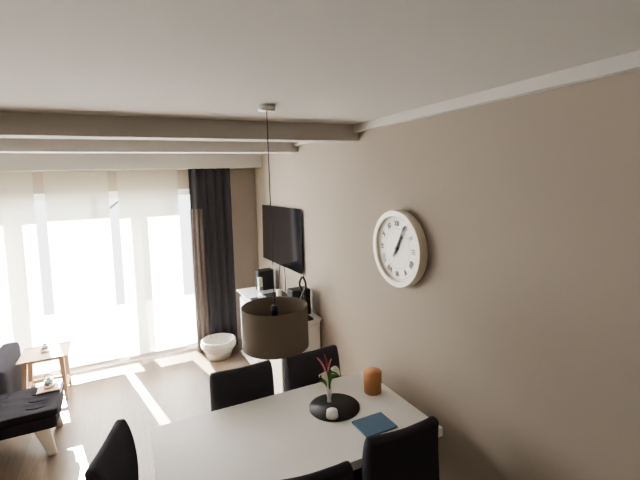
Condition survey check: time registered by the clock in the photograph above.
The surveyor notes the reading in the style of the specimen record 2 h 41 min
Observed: 1 h 05 min
